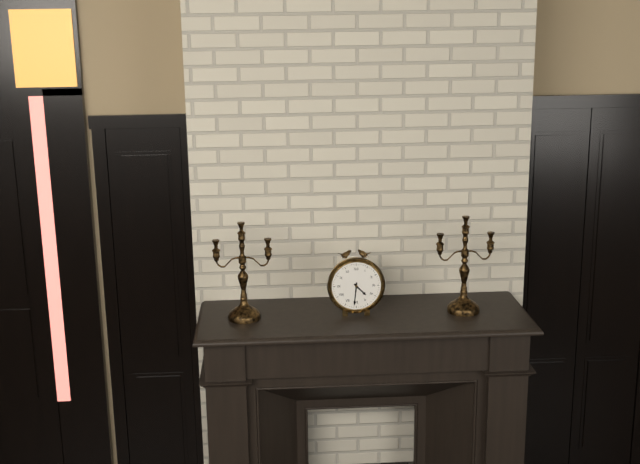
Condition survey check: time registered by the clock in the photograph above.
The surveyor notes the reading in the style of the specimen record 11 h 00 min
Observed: 4 h 31 min
